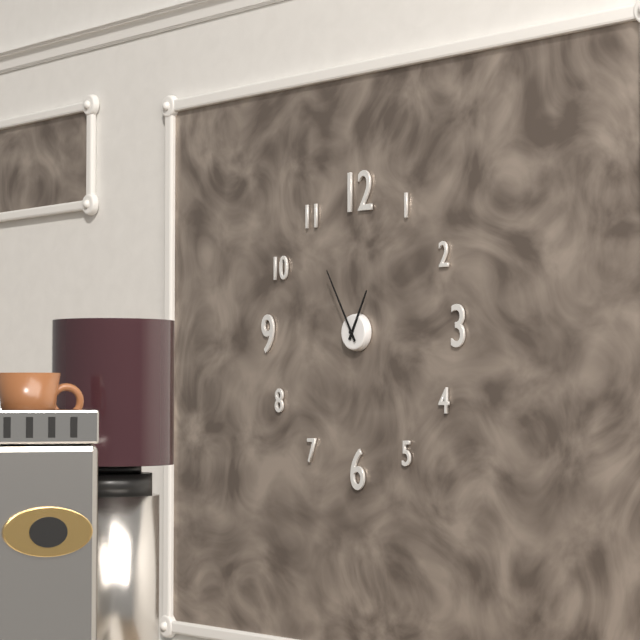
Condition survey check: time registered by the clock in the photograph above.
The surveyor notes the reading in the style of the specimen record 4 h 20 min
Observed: 12 h 55 min
